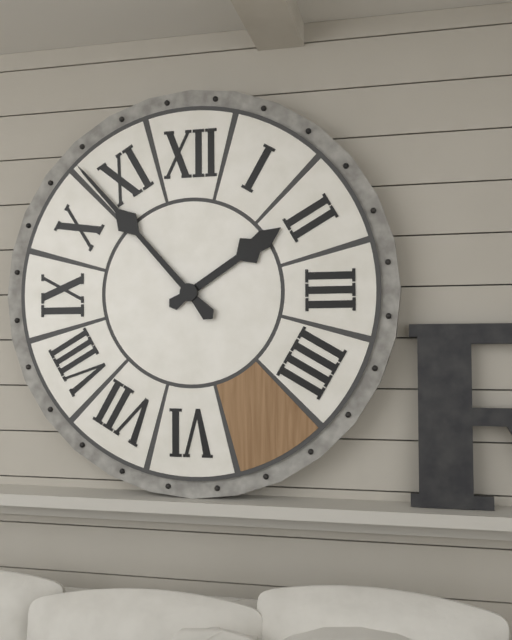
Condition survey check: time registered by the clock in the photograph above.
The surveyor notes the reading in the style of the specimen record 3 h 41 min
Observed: 1 h 53 min
